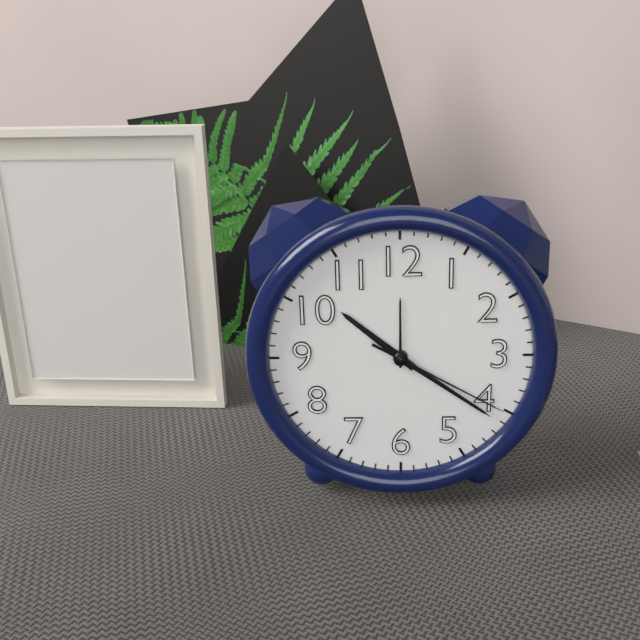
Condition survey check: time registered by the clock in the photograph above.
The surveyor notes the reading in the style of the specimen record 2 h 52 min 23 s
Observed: 10 h 21 min 20 s
